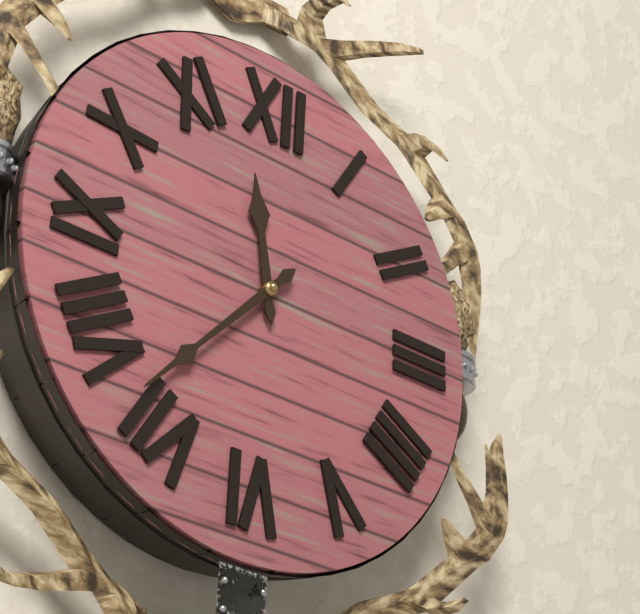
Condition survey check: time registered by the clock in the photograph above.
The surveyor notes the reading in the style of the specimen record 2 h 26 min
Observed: 11 h 37 min
